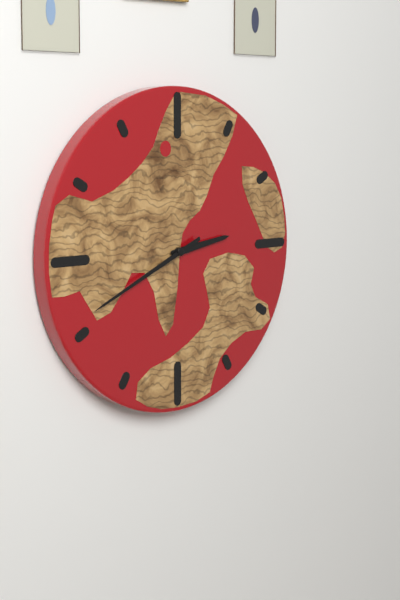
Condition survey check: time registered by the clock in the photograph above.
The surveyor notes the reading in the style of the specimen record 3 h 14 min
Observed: 2 h 41 min
